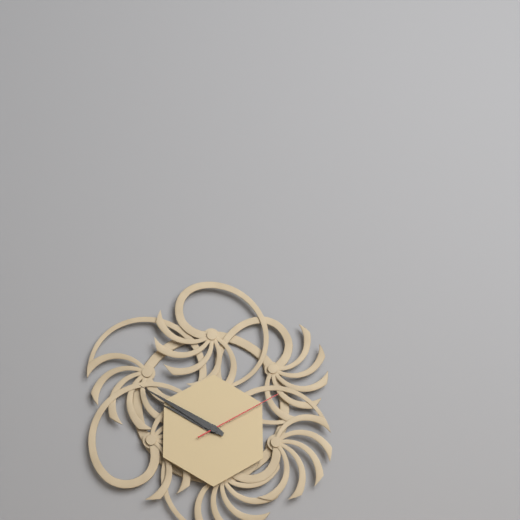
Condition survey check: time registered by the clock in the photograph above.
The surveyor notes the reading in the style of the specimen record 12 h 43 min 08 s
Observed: 9 h 50 min 10 s
